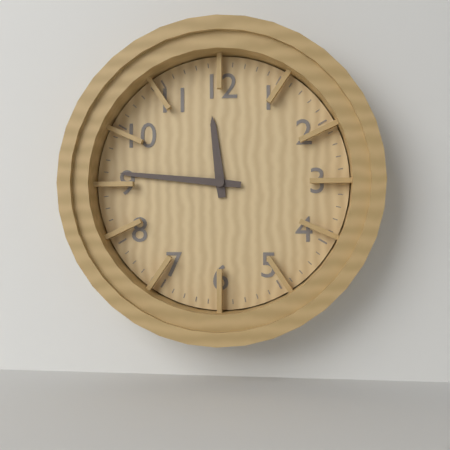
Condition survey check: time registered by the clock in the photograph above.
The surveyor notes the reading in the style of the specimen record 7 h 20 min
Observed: 11 h 46 min
